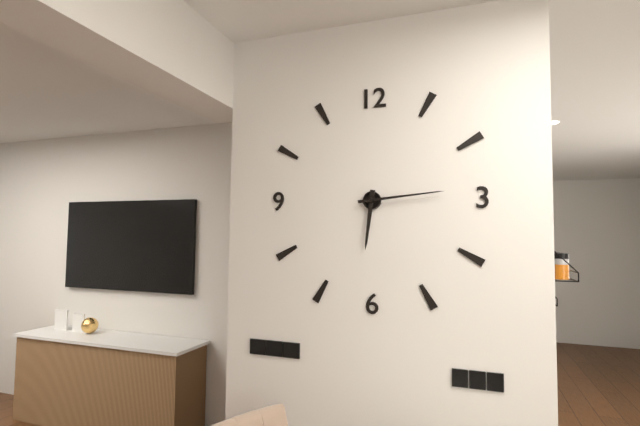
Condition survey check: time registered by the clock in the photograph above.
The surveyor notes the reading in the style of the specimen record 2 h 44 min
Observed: 6 h 14 min
